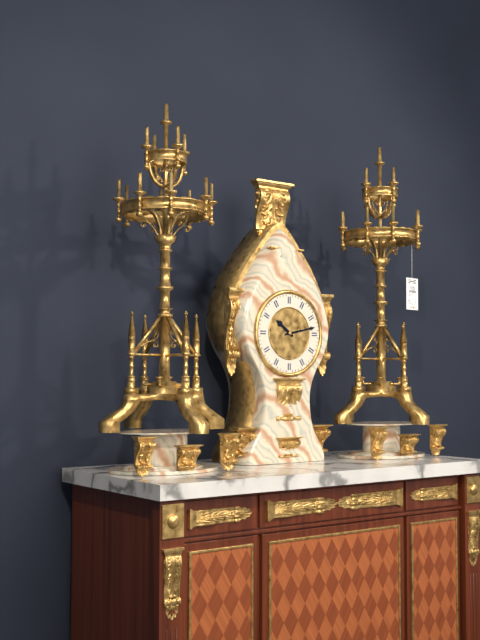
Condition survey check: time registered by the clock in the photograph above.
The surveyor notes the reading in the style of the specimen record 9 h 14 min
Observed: 10 h 13 min
